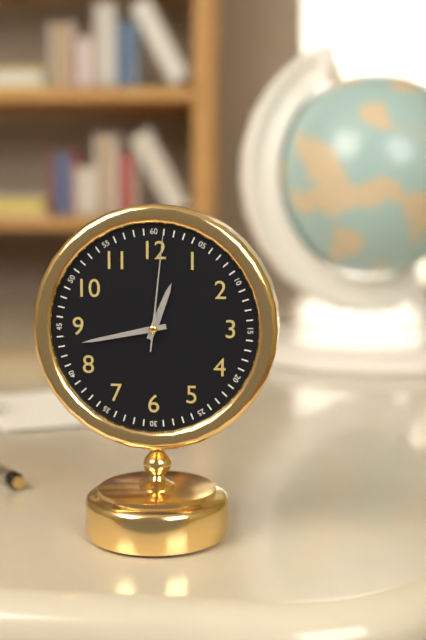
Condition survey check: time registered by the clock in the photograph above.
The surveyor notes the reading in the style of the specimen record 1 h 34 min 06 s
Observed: 12 h 43 min 01 s
